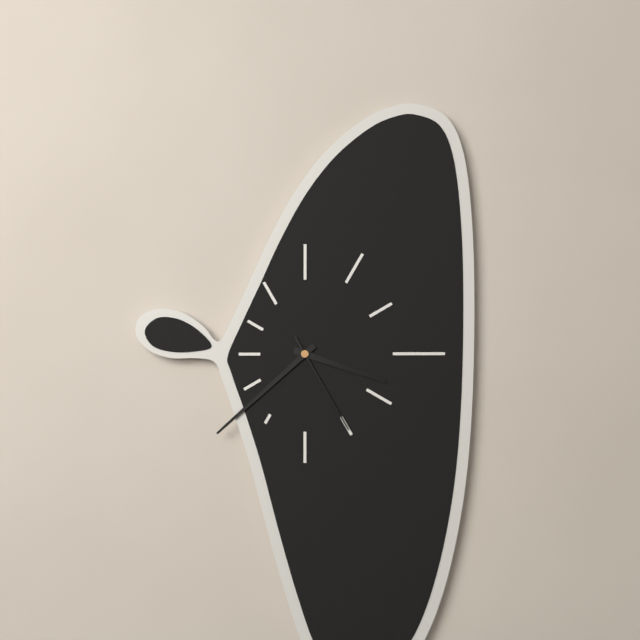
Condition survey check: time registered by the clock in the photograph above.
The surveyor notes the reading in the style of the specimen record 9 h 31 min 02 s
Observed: 3 h 38 min 25 s
